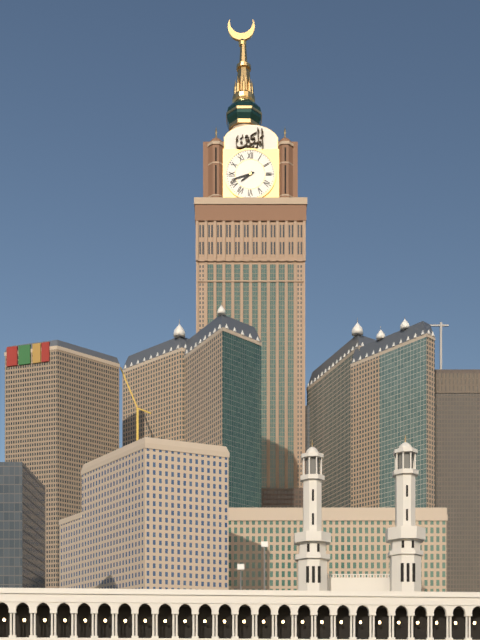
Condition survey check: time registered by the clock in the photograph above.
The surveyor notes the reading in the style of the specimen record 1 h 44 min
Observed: 7 h 42 min
